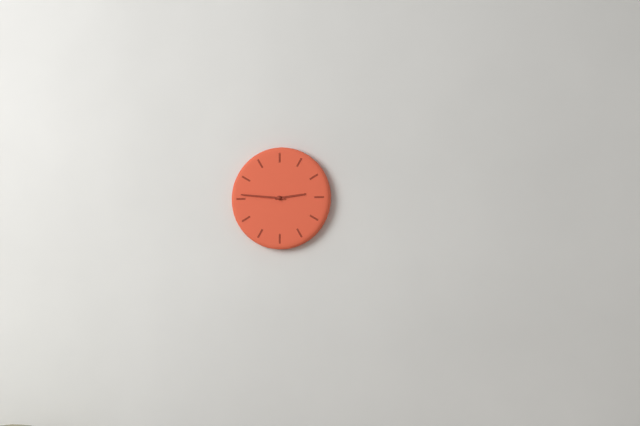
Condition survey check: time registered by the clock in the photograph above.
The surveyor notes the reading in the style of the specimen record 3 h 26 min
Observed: 2 h 46 min
